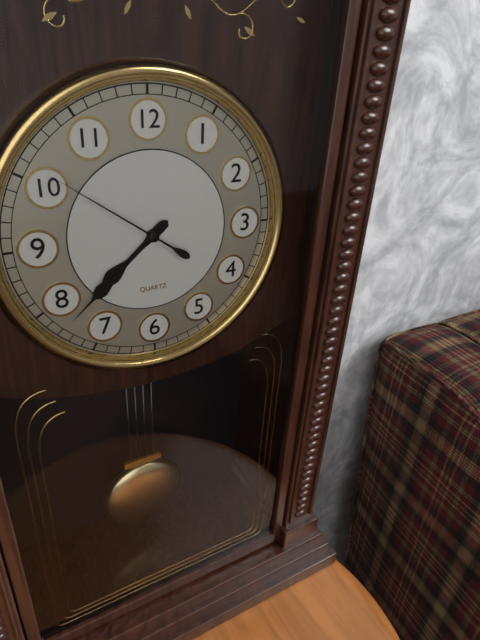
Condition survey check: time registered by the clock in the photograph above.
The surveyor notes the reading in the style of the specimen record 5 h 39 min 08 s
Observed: 7 h 38 min 51 s
